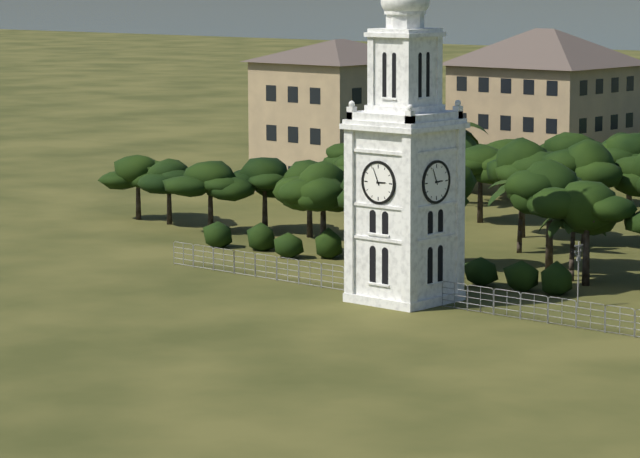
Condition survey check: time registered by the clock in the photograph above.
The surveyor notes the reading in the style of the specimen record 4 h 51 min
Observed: 2 h 56 min
